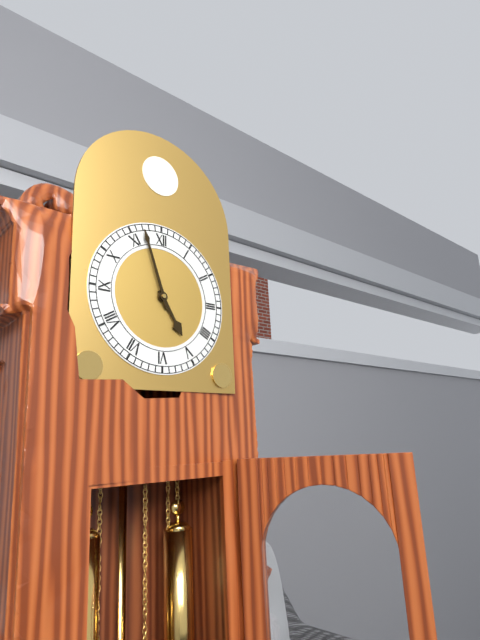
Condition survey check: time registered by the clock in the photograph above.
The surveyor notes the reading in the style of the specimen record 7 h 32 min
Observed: 4 h 57 min
